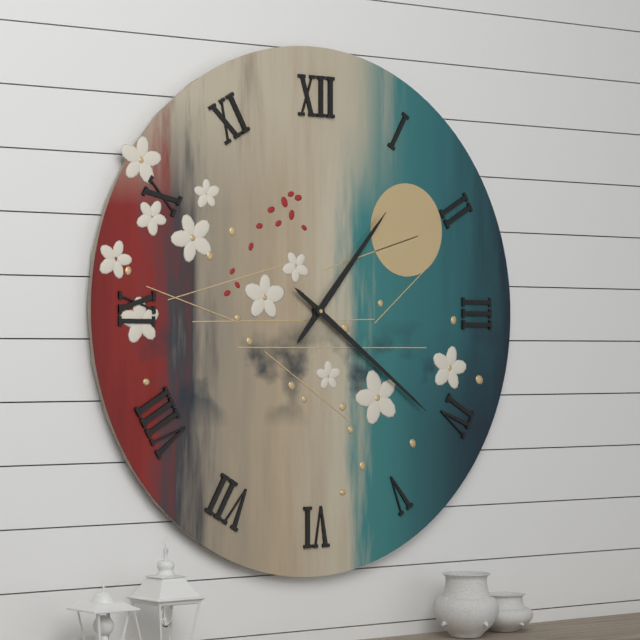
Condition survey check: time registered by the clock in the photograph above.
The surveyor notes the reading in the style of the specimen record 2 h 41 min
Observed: 1 h 21 min
